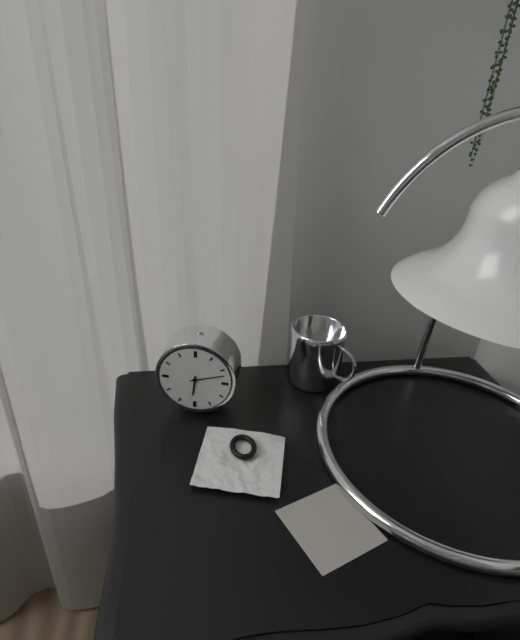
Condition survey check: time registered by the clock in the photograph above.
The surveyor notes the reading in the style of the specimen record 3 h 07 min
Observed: 6 h 12 min
